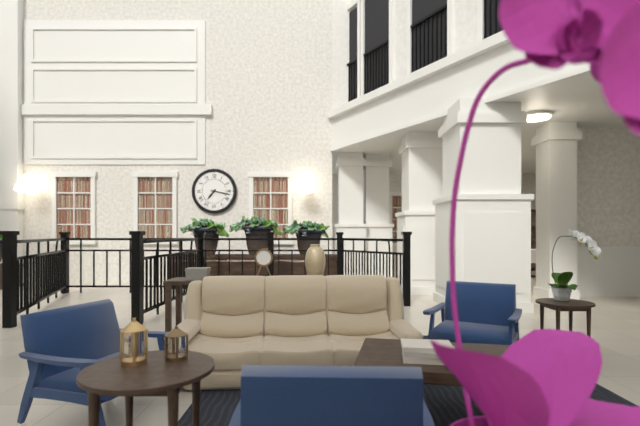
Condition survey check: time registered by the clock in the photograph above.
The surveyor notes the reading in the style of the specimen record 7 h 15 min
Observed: 7 h 17 min
